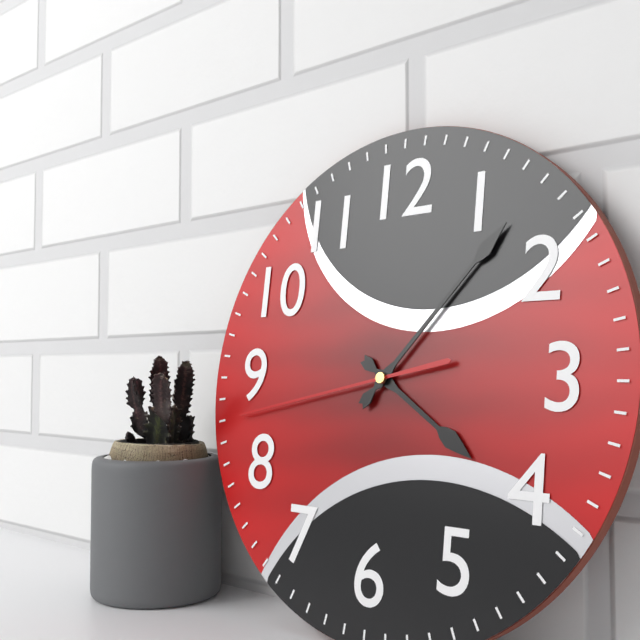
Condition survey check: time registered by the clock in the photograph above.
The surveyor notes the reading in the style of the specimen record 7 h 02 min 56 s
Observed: 4 h 07 min 43 s
